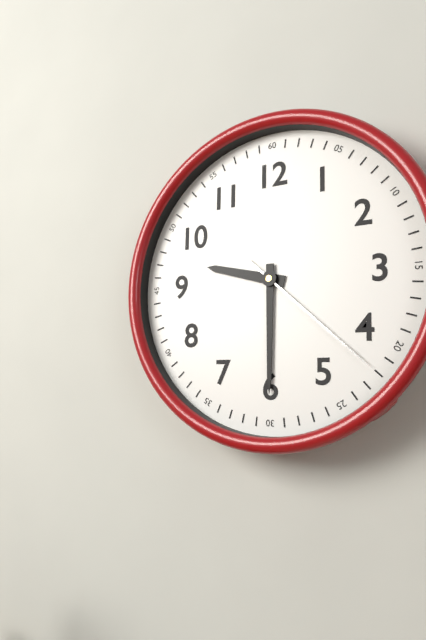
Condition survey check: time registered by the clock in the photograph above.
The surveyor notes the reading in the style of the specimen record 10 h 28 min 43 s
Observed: 9 h 30 min 22 s
